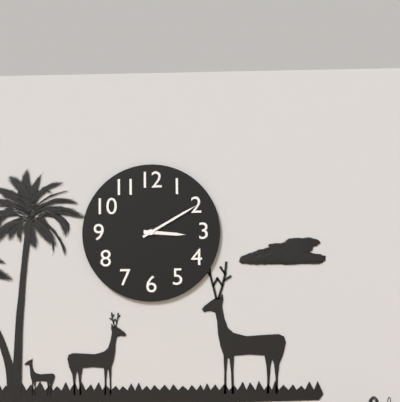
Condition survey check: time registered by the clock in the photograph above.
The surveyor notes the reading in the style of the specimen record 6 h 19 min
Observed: 3 h 10 min
